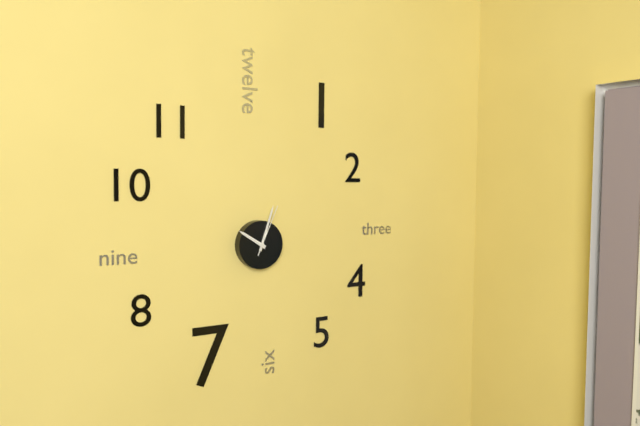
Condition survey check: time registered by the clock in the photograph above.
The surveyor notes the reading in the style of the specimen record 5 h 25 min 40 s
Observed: 10 h 03 min 04 s
